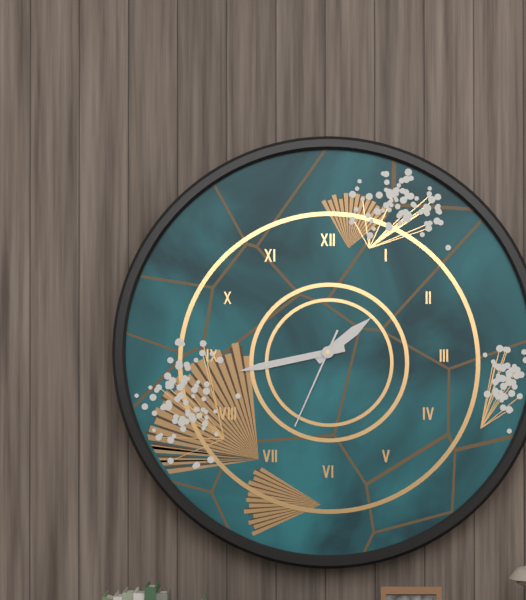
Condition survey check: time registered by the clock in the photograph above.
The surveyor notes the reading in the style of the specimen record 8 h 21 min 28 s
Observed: 1 h 43 min 34 s
